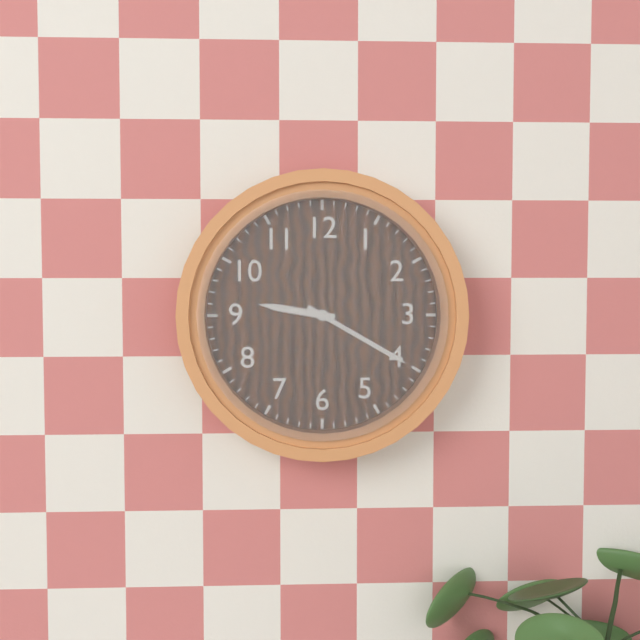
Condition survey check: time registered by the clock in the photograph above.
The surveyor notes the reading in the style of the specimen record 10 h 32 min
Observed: 9 h 20 min
